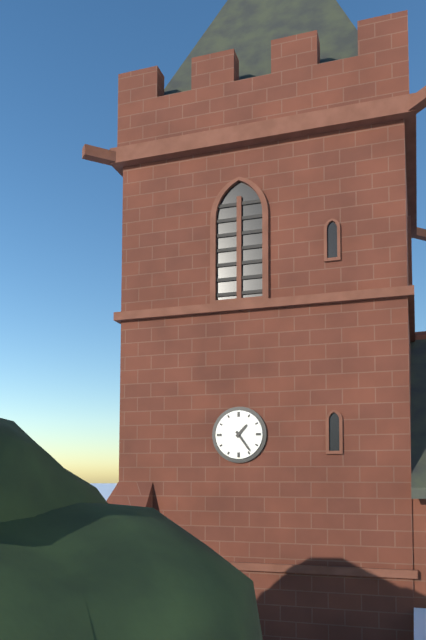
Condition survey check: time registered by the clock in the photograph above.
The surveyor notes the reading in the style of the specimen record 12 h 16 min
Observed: 1 h 24 min
